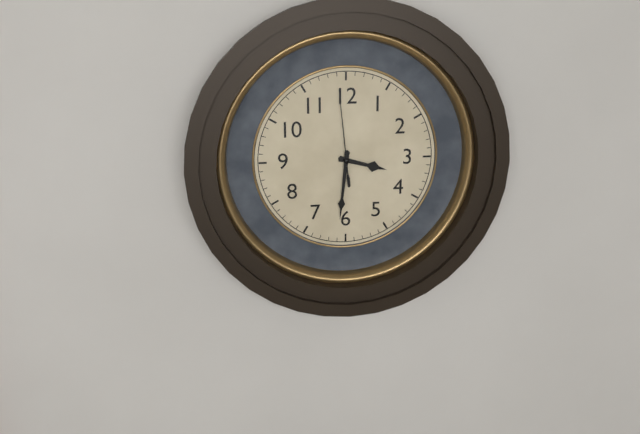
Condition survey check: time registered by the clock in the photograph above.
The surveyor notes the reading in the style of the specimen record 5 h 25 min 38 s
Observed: 3 h 31 min 59 s
